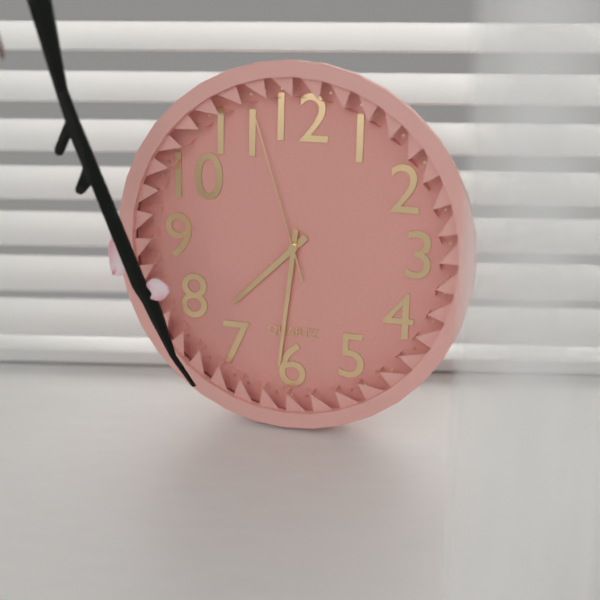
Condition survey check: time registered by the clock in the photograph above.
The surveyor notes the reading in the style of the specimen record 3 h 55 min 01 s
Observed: 7 h 31 min 57 s
